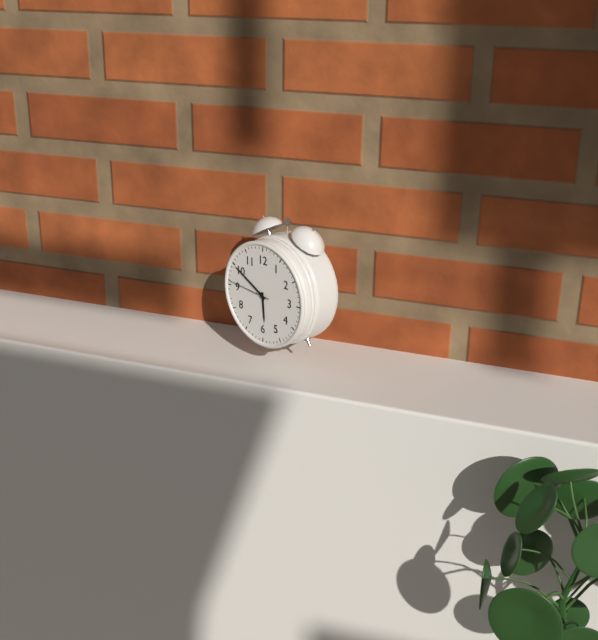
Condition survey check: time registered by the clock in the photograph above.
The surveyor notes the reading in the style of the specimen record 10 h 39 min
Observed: 5 h 50 min
